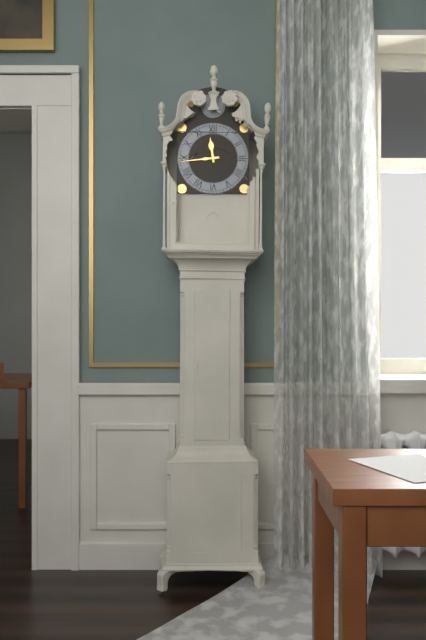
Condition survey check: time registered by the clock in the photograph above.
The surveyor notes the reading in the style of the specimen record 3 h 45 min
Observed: 11 h 44 min
